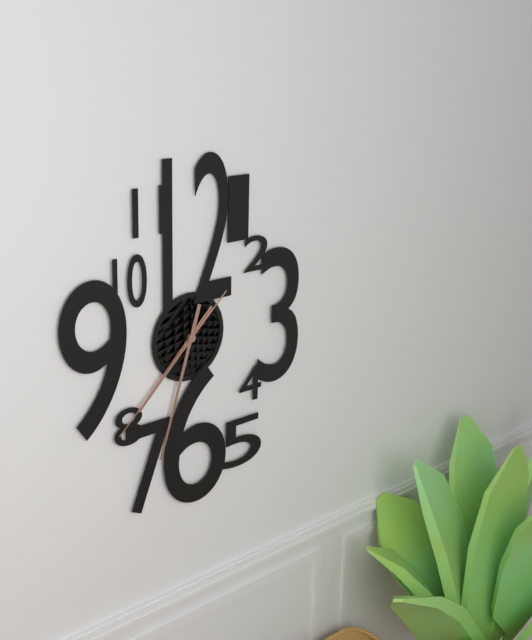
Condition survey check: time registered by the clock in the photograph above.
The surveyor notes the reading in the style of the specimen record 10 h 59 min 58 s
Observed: 7 h 33 min 38 s
